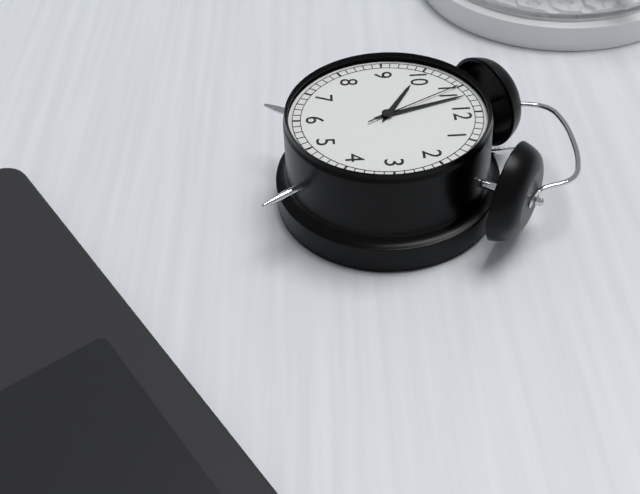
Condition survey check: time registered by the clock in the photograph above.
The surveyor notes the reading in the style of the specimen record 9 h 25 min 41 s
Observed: 9 h 57 min 55 s
